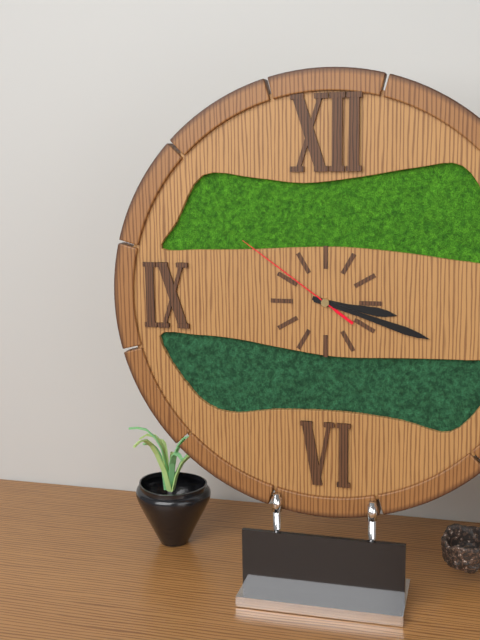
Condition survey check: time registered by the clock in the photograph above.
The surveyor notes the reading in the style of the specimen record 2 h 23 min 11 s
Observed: 3 h 18 min 51 s
